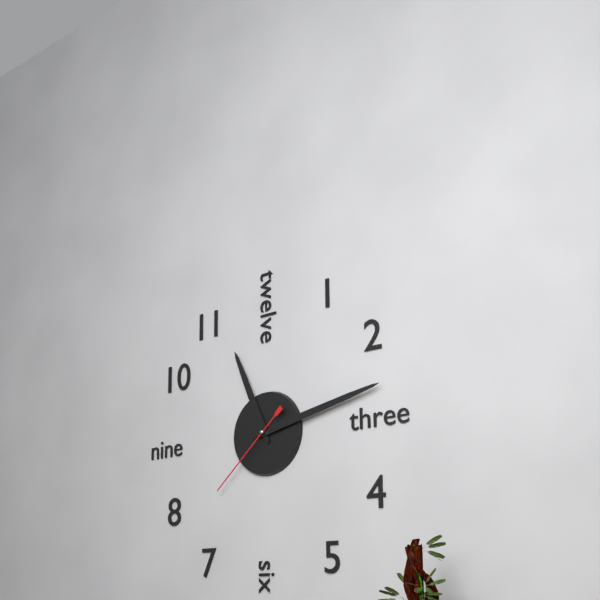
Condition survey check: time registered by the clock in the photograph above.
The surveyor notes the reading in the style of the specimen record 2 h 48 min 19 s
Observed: 11 h 13 min 38 s
